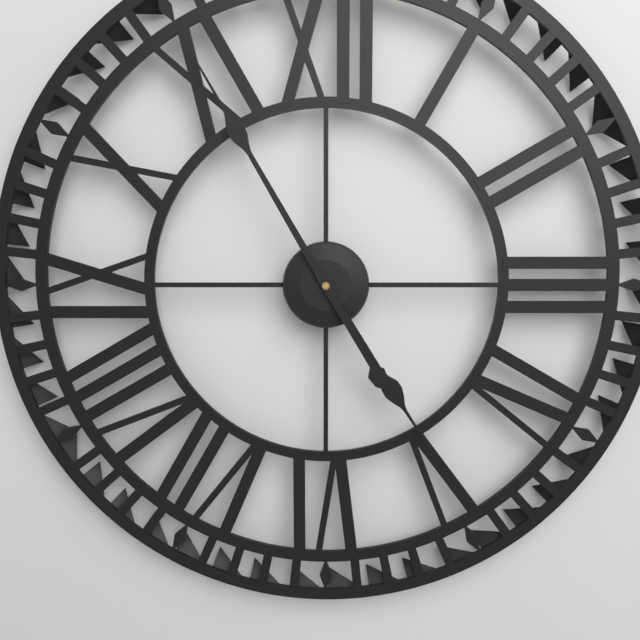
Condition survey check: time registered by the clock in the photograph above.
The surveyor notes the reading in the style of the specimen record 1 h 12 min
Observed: 4 h 55 min
